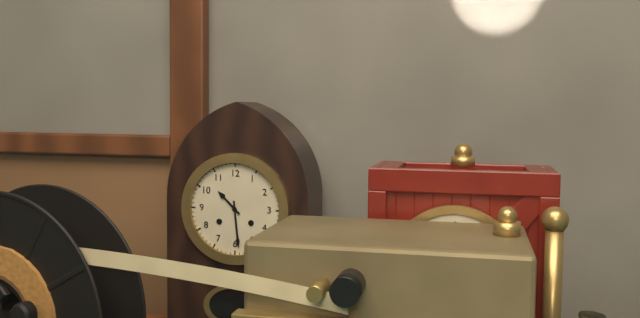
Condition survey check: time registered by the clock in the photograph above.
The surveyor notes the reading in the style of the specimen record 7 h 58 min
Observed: 10 h 29 min
